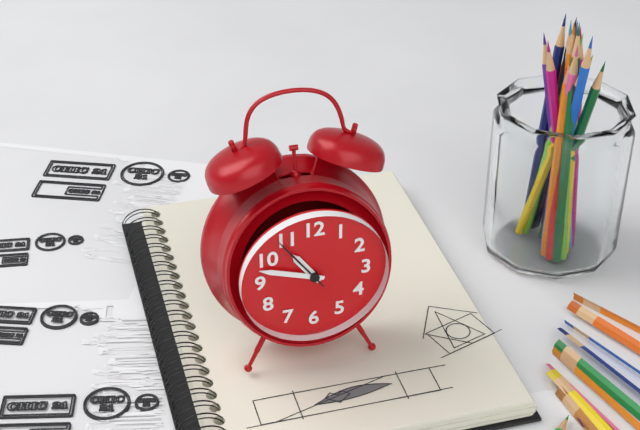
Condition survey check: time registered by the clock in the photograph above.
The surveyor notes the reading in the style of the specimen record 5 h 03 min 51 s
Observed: 10 h 48 min 54 s
